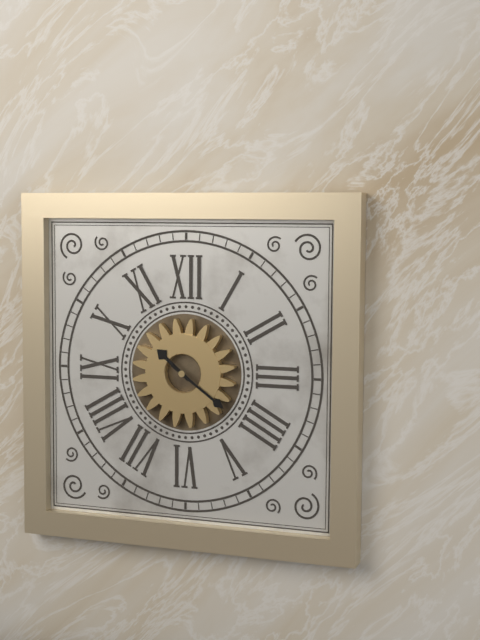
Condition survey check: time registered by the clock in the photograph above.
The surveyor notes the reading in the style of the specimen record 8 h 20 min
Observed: 10 h 21 min
